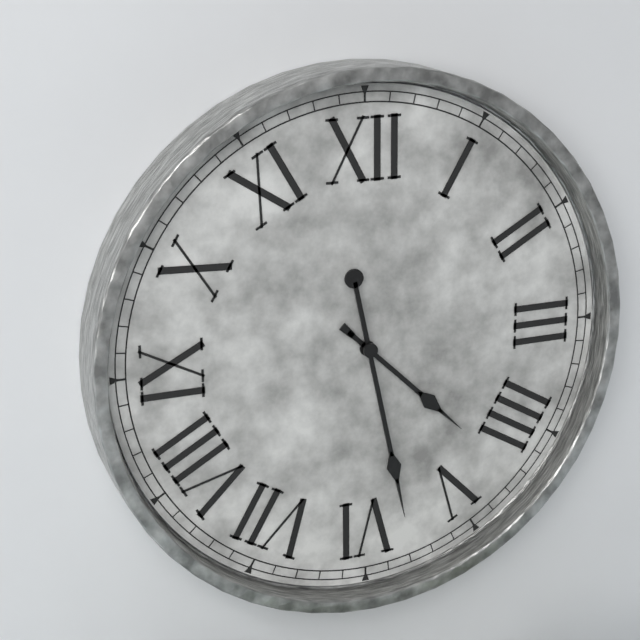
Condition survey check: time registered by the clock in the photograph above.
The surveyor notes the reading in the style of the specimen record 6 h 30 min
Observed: 4 h 28 min
